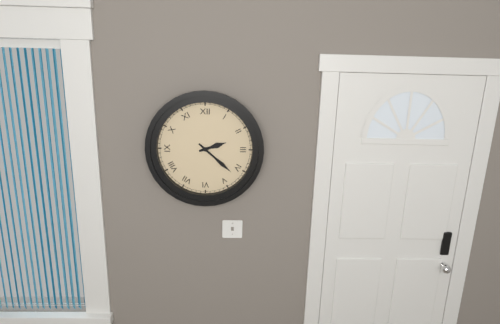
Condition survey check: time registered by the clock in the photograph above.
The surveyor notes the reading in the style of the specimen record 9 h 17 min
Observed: 2 h 22 min
